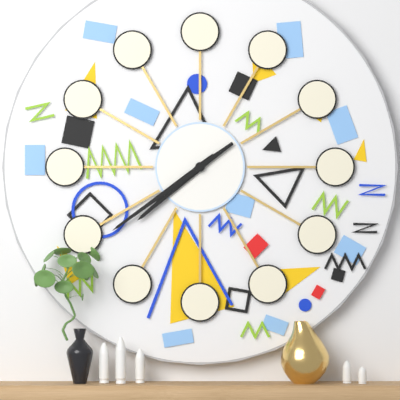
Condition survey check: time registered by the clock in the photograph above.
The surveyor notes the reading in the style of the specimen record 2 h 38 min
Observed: 7 h 39 min
